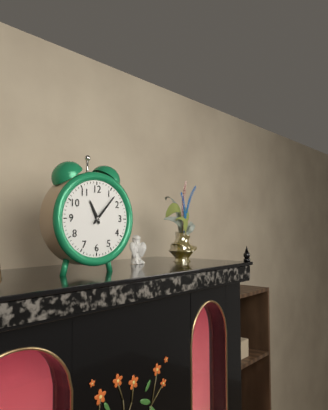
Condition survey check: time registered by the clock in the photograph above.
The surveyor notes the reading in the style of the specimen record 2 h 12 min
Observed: 11 h 07 min
